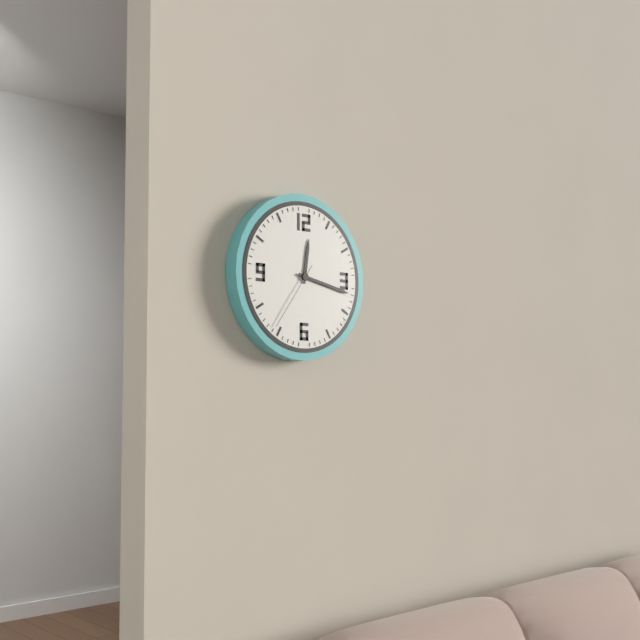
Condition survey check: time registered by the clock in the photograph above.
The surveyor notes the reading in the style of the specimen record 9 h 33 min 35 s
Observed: 12 h 17 min 36 s
